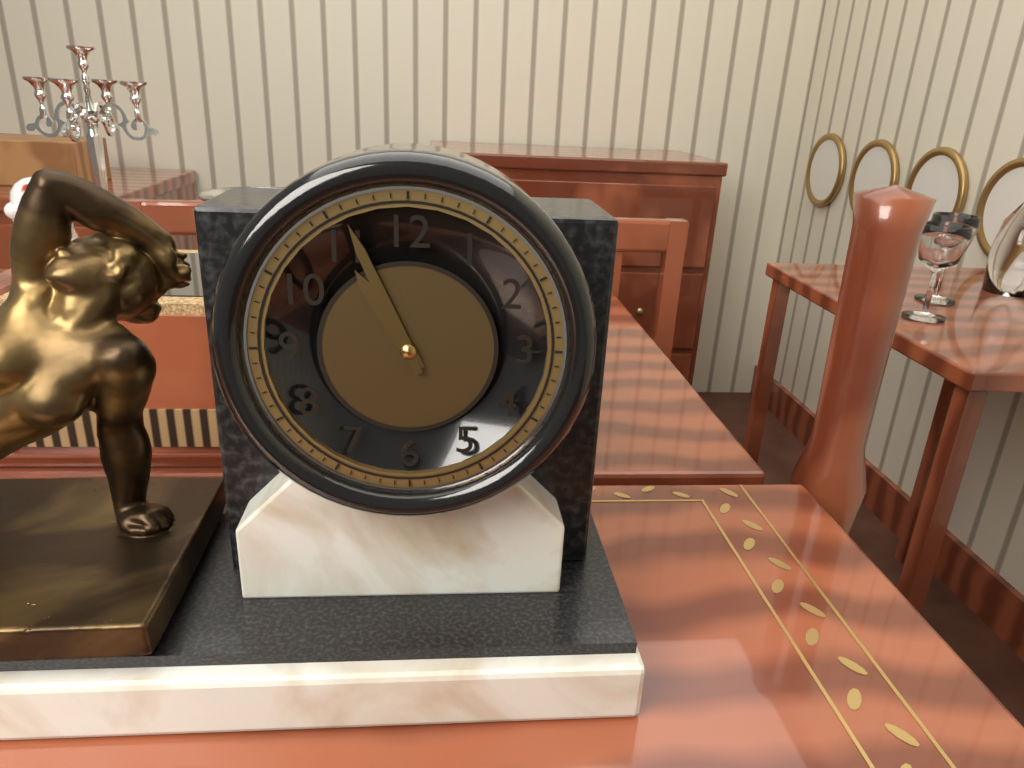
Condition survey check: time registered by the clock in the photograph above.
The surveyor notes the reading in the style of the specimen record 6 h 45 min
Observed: 10 h 56 min
